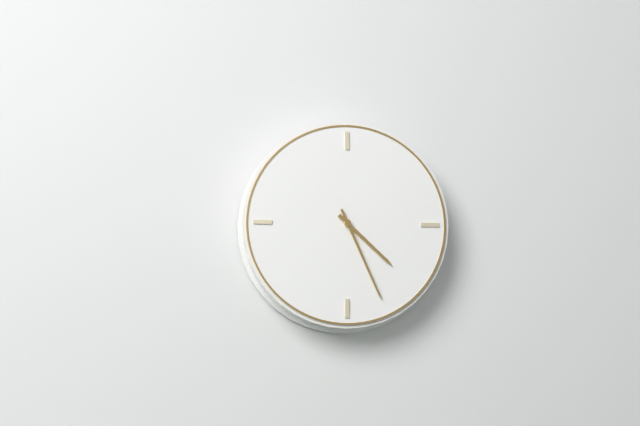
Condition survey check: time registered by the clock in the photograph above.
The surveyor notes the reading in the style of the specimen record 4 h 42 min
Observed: 4 h 26 min
